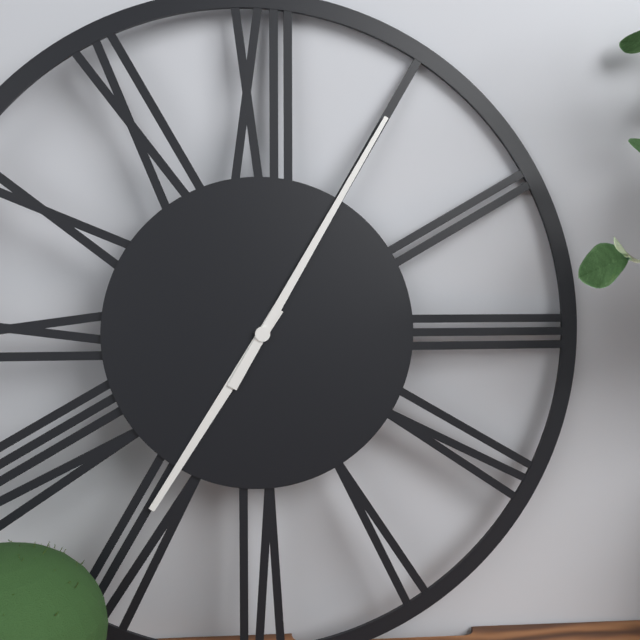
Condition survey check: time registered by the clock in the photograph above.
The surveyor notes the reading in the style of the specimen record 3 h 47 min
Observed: 7 h 05 min
